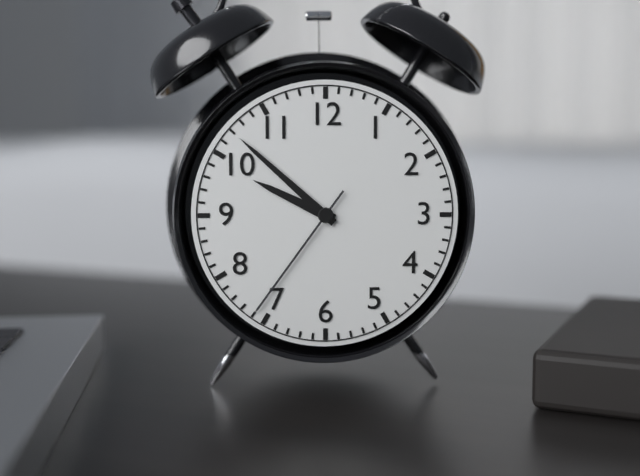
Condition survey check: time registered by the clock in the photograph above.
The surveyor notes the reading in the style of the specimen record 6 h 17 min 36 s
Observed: 9 h 52 min 36 s
